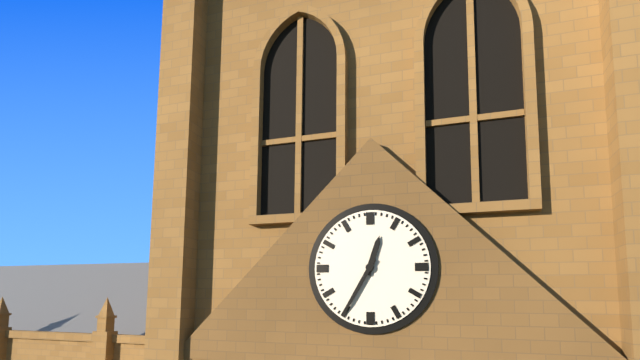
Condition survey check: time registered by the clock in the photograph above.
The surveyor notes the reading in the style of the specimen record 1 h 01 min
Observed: 12 h 35 min
